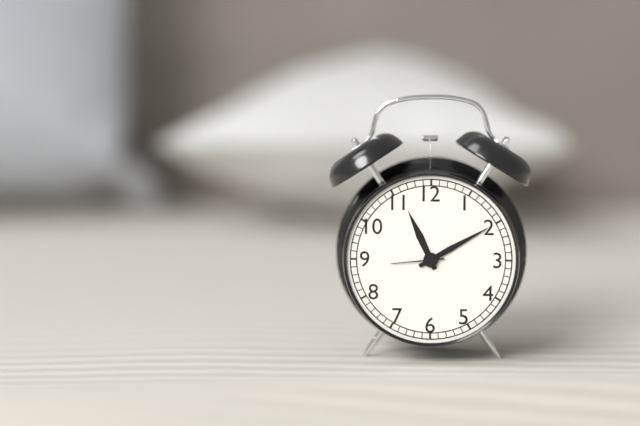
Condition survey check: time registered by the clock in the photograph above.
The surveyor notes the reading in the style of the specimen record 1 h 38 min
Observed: 11 h 10 min
